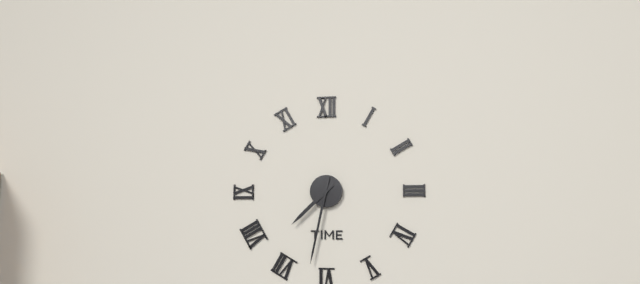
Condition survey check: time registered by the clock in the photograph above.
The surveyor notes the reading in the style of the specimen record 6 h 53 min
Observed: 7 h 32 min
